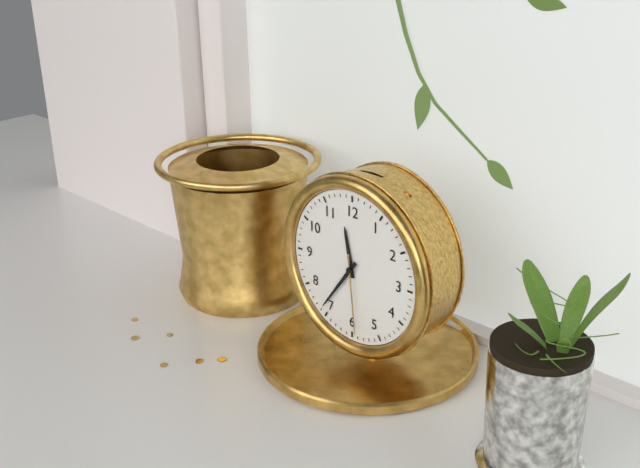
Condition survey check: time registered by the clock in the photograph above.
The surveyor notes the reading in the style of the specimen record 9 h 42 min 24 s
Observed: 11 h 36 min 29 s
